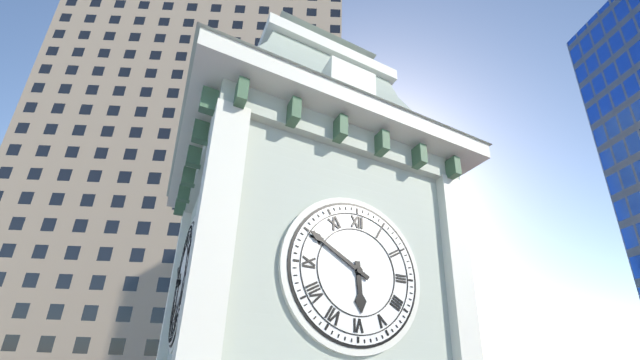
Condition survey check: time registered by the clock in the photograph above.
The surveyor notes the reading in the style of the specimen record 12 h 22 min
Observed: 5 h 50 min
